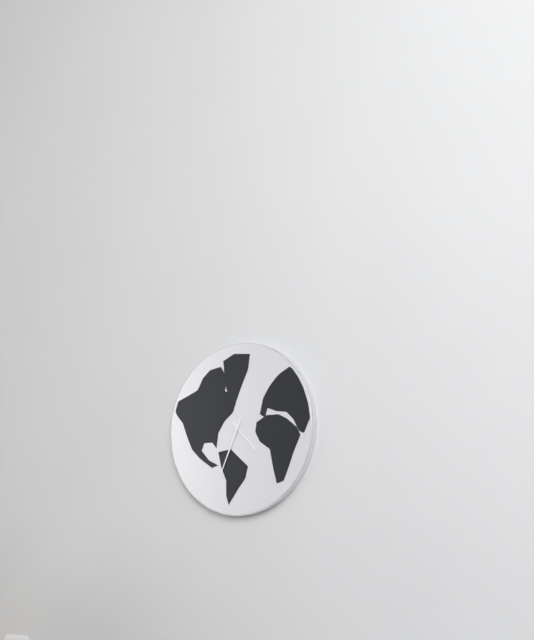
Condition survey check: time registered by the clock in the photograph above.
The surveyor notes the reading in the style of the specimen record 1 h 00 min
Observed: 4 h 34 min
